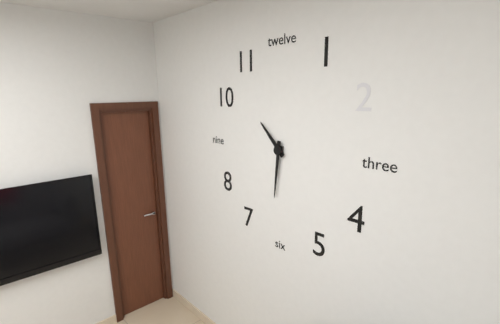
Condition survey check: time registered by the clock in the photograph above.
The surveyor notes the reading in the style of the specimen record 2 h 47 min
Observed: 10 h 31 min
